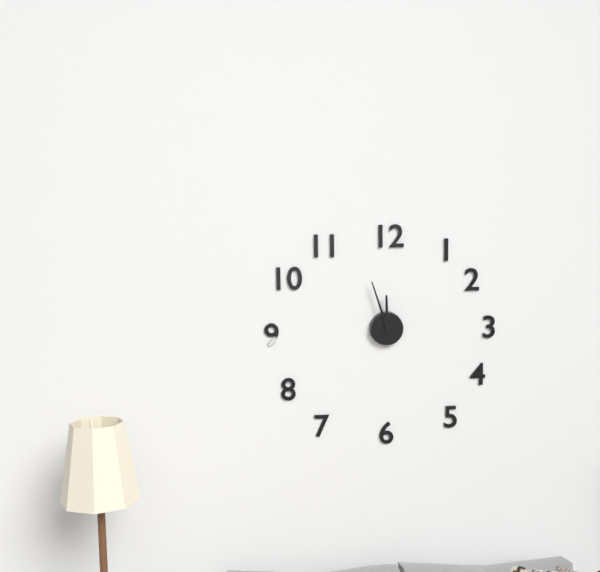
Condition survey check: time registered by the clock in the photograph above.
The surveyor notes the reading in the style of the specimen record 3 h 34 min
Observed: 11 h 57 min
